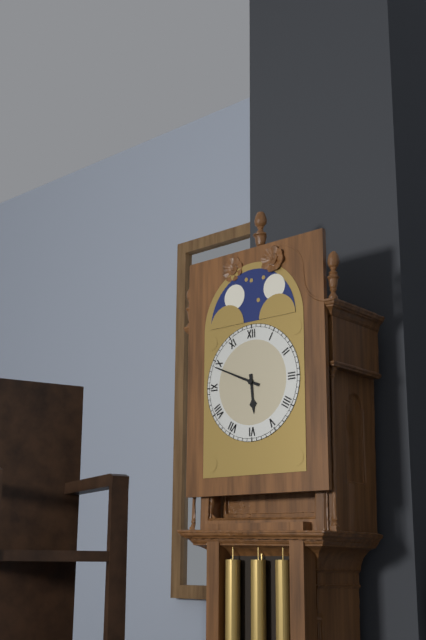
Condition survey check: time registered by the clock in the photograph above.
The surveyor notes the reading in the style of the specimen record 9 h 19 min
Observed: 5 h 49 min
